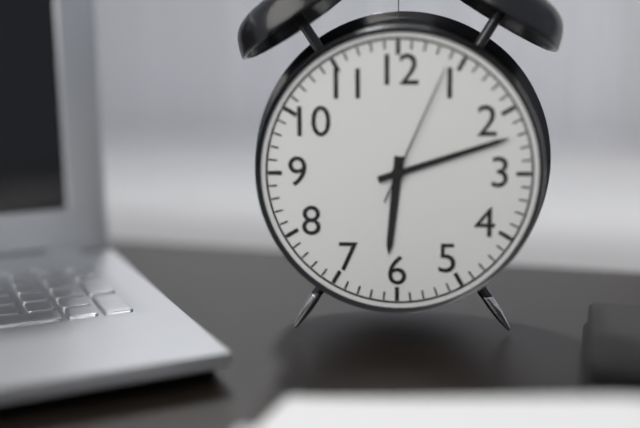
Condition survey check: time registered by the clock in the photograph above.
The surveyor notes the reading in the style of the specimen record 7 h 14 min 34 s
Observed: 6 h 12 min 04 s
